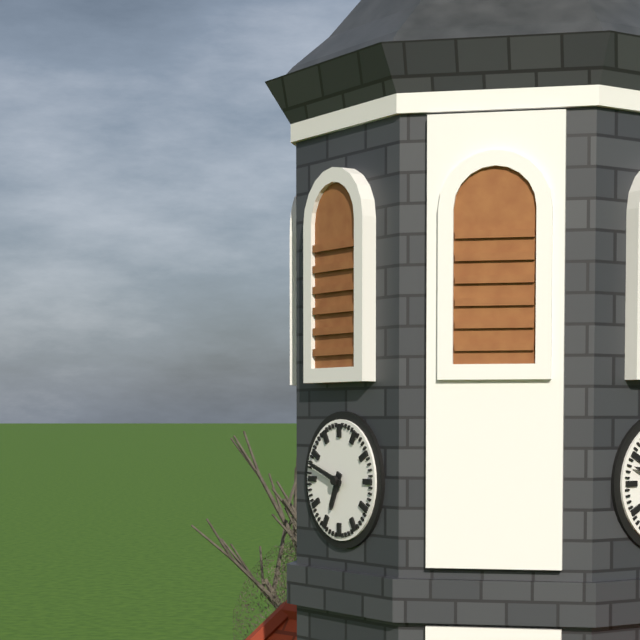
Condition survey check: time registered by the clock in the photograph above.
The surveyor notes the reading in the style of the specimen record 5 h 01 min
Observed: 6 h 48 min
